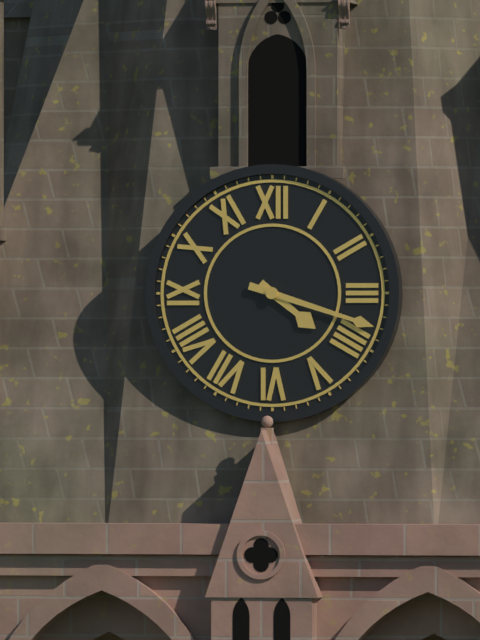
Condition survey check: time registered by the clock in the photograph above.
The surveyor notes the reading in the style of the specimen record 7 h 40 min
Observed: 4 h 18 min
